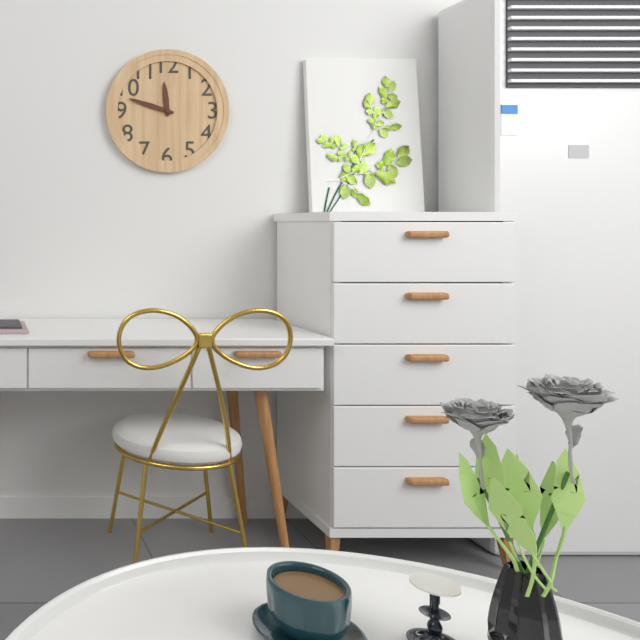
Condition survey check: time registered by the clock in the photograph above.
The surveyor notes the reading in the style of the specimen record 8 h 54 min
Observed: 11 h 48 min
